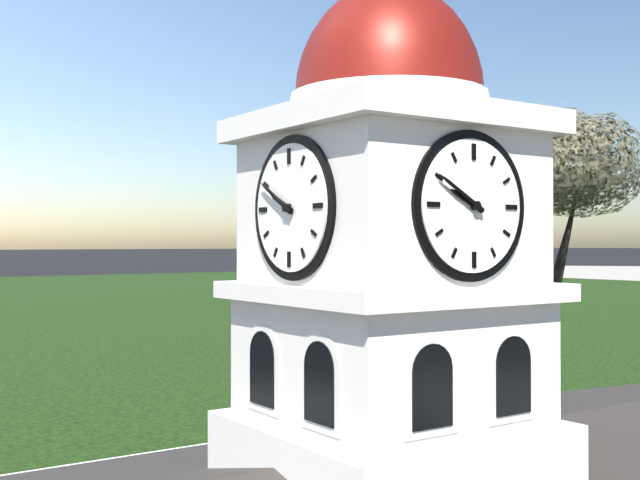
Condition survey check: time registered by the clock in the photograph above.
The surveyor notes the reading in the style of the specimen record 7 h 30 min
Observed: 9 h 50 min
